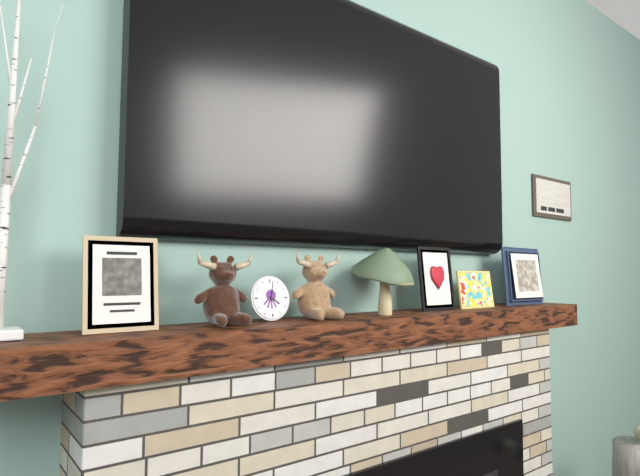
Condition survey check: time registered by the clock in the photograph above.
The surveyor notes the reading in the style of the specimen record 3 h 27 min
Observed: 4 h 02 min
